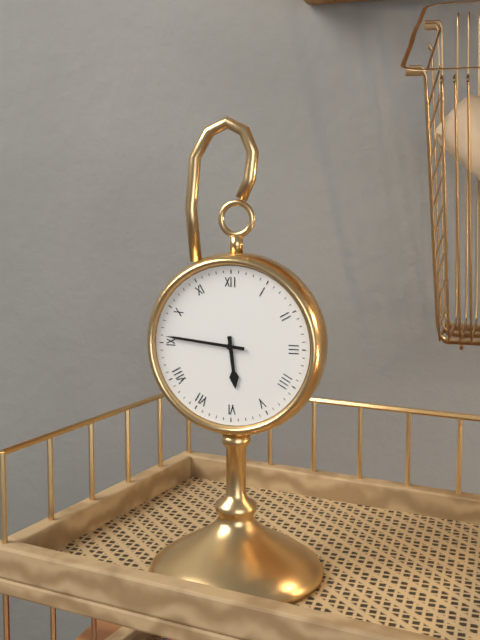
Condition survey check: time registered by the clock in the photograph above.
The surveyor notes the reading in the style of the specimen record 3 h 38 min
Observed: 5 h 46 min
